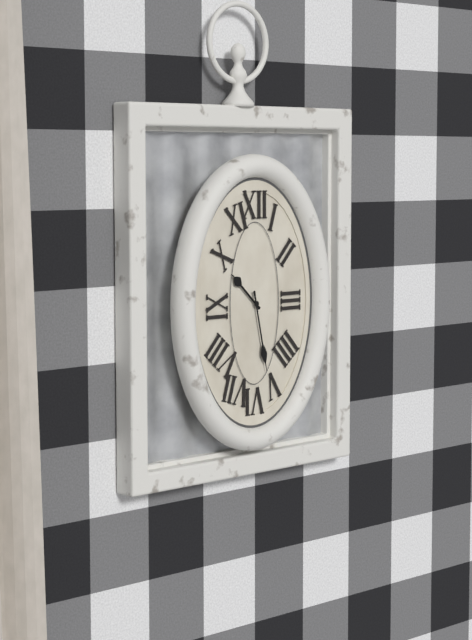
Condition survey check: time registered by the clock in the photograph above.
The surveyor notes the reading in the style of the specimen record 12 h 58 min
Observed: 10 h 28 min
